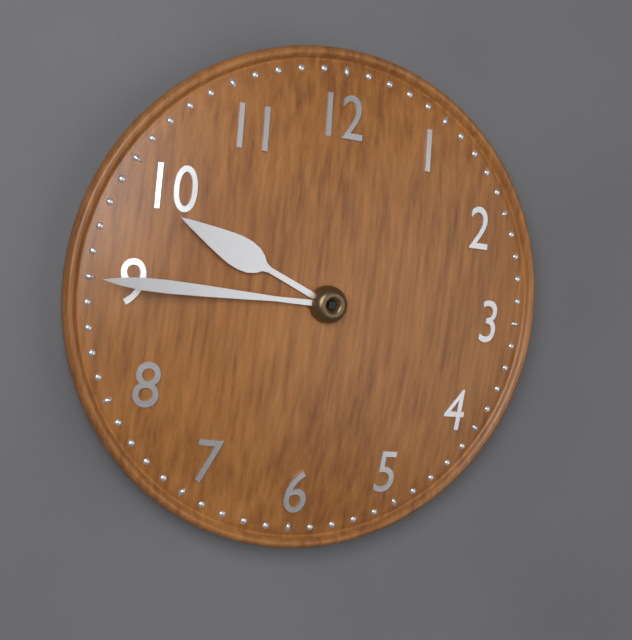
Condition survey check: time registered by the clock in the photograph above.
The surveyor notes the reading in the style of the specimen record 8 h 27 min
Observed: 9 h 45 min
